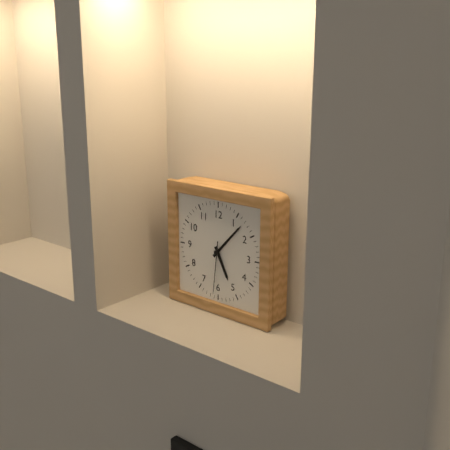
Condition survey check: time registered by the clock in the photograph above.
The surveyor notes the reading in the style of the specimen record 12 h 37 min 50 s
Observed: 5 h 07 min 31 s
